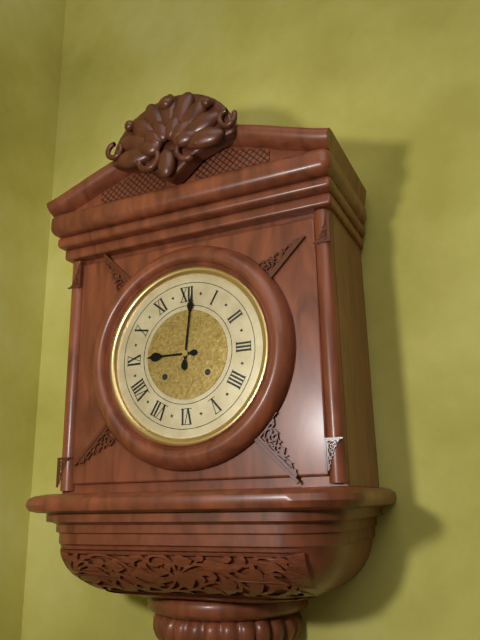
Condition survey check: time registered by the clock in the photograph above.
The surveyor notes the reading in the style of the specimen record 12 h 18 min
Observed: 9 h 01 min
